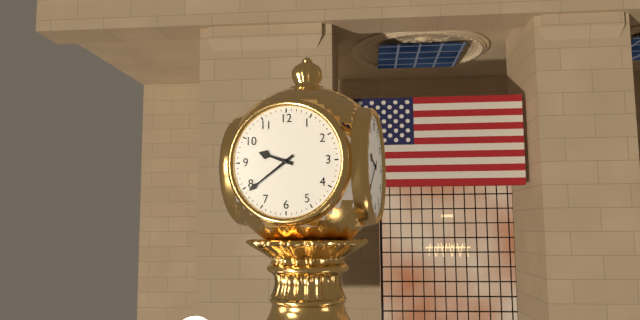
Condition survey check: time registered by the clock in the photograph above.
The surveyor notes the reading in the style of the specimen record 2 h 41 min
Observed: 9 h 39 min
